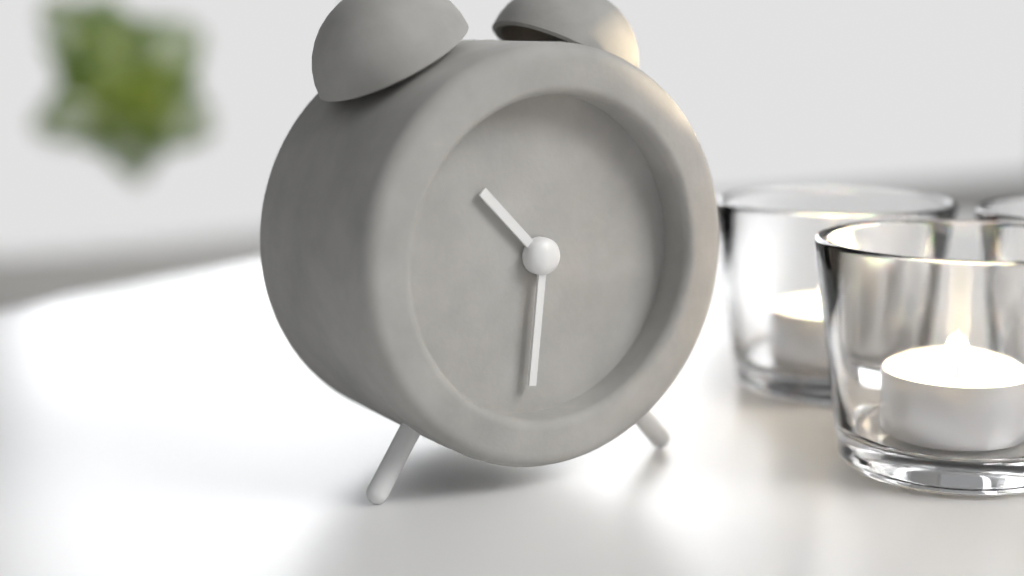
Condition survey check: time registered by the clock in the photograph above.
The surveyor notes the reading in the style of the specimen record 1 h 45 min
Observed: 10 h 31 min
